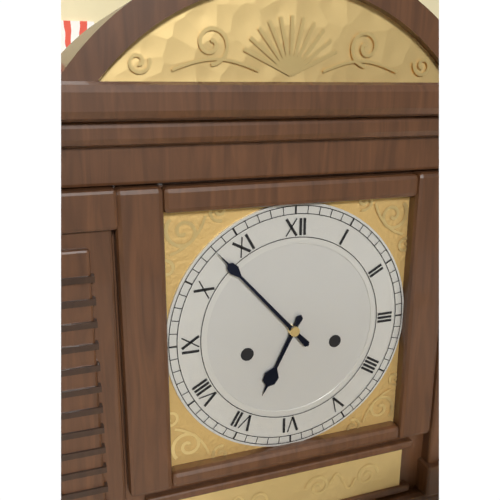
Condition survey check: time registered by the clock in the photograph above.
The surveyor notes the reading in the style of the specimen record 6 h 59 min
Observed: 6 h 53 min
